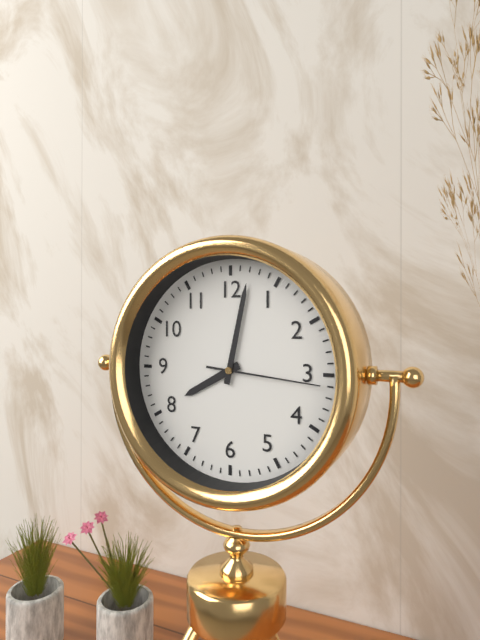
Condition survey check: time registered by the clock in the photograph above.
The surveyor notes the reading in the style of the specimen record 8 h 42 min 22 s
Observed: 8 h 02 min 16 s
